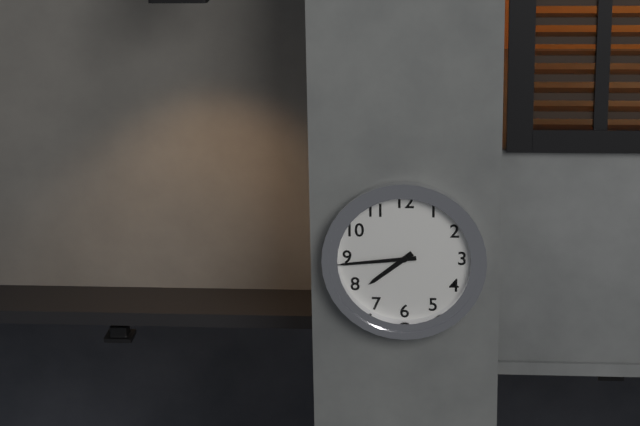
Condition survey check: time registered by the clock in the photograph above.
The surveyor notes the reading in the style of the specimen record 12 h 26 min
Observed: 7 h 44 min
